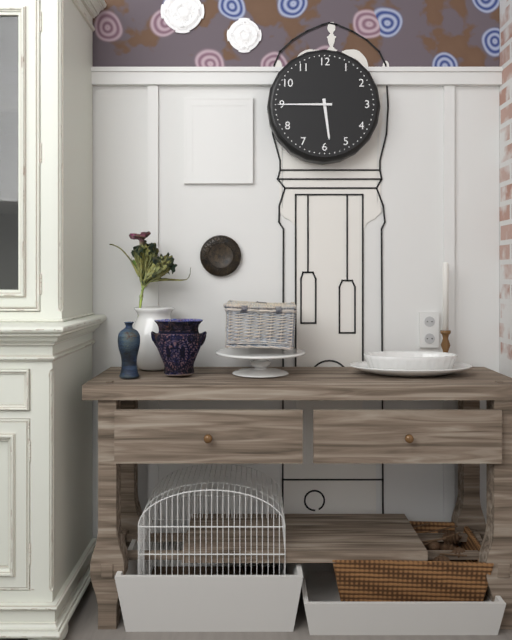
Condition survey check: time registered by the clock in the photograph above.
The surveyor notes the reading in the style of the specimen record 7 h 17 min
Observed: 5 h 45 min
